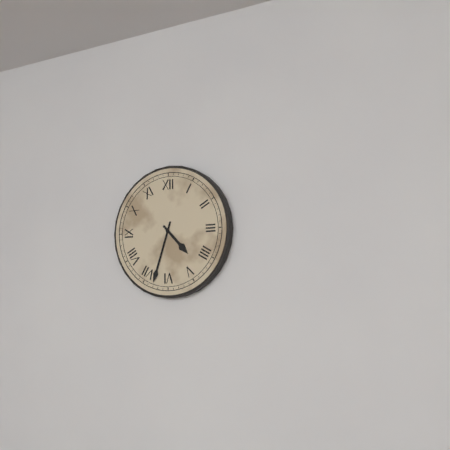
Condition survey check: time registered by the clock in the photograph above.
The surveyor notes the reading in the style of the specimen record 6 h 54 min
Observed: 4 h 33 min
